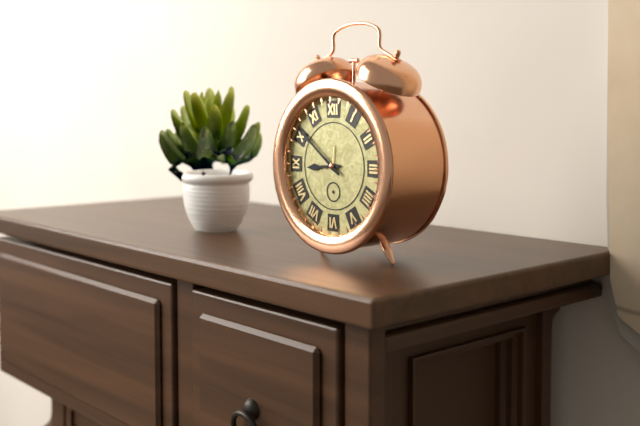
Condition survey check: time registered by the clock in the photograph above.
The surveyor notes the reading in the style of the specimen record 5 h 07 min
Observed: 8 h 51 min
